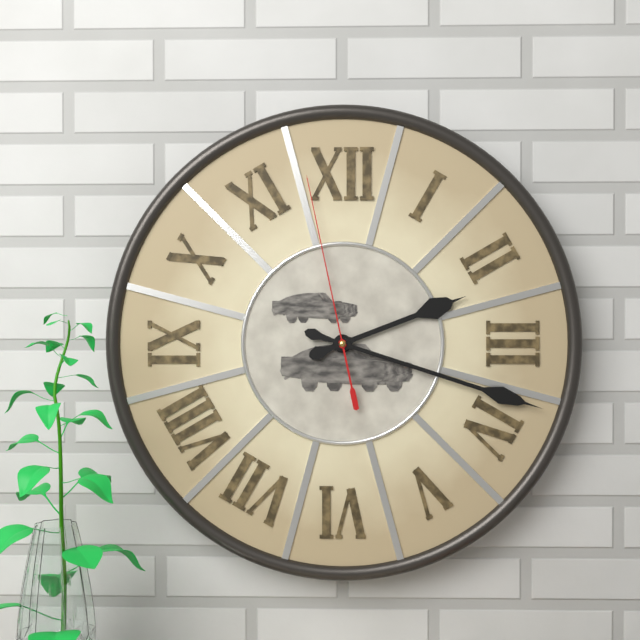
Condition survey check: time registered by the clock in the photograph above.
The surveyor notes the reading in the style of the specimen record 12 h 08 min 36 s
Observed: 2 h 18 min 58 s
